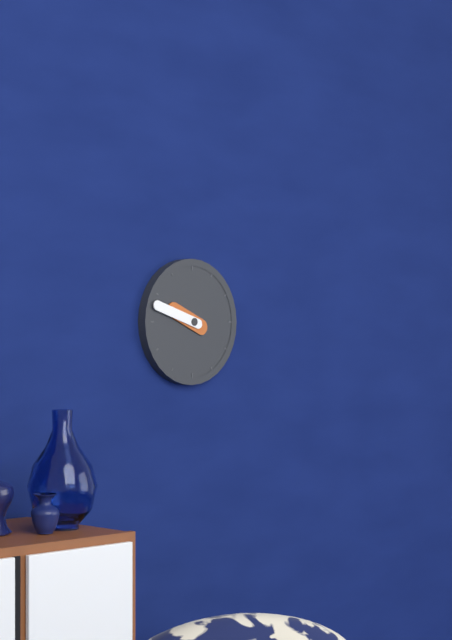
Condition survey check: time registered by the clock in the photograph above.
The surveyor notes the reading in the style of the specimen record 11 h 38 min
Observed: 9 h 48 min
